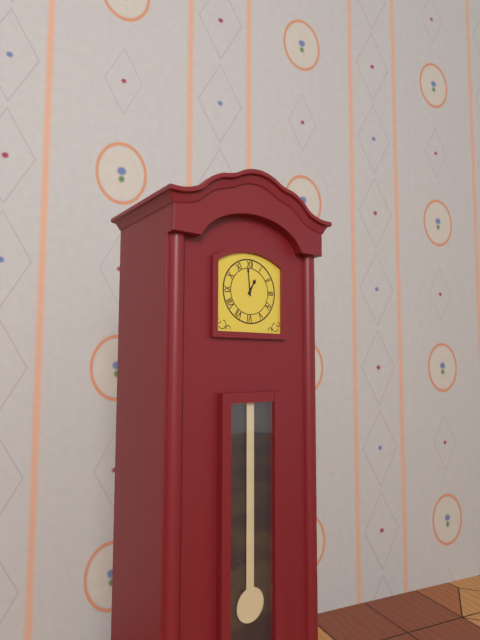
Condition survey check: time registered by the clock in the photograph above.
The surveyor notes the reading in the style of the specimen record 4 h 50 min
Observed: 12 h 59 min
